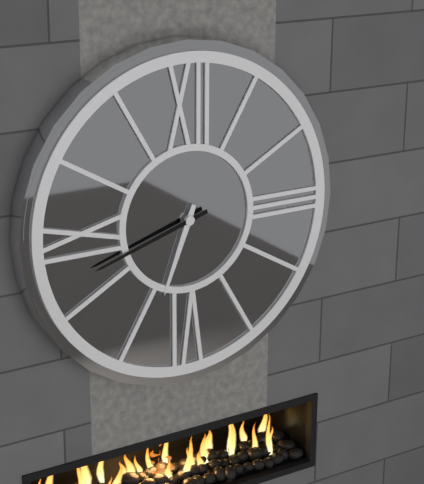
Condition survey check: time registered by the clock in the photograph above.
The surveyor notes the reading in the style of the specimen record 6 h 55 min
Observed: 6 h 42 min
